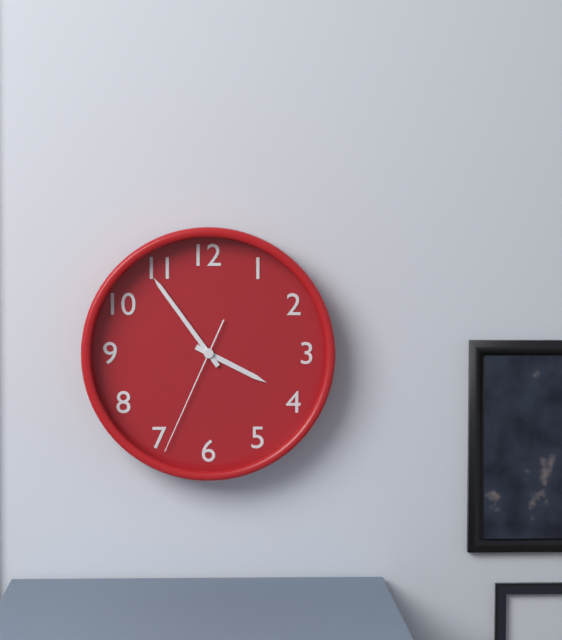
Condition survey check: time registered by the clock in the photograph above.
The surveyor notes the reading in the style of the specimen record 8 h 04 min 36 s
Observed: 3 h 54 min 34 s
